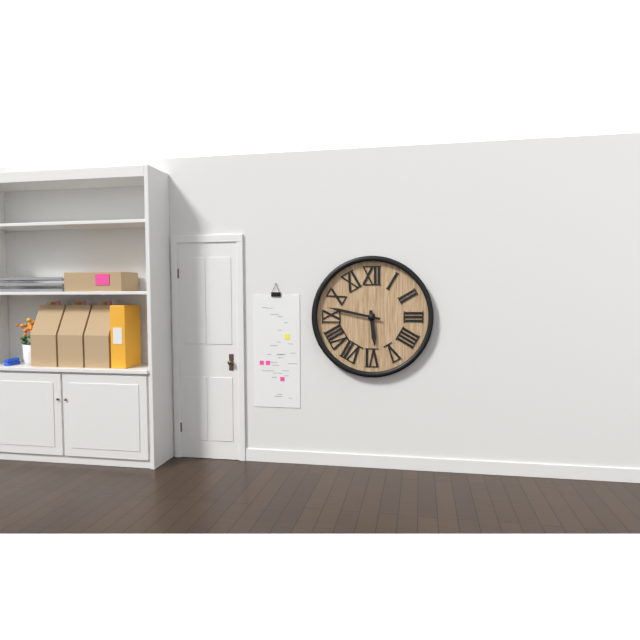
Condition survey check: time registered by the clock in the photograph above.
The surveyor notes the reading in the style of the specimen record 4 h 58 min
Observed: 5 h 47 min
